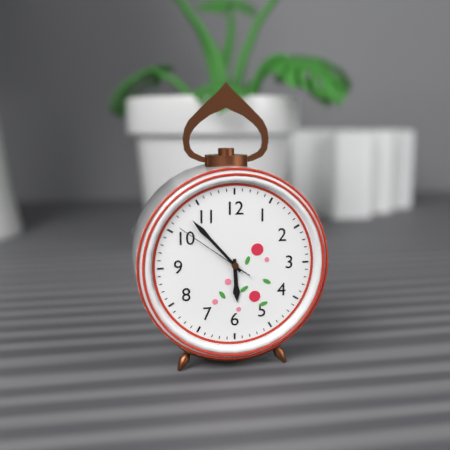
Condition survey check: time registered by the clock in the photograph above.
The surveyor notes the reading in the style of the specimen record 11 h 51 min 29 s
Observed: 5 h 53 min 51 s
